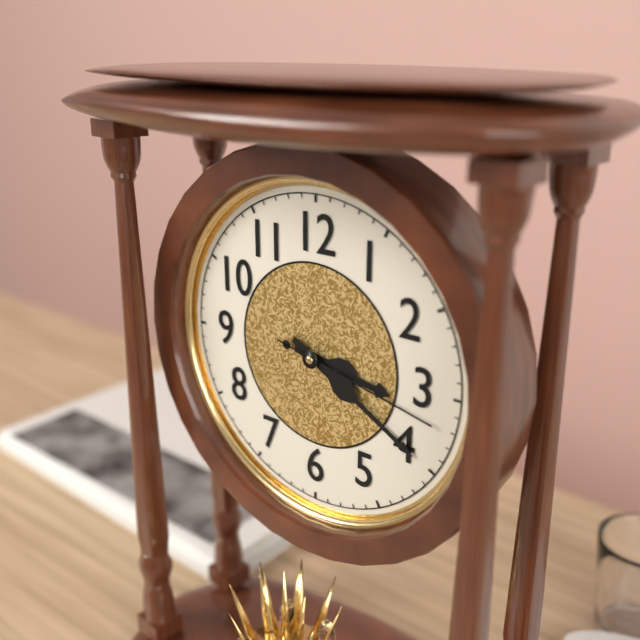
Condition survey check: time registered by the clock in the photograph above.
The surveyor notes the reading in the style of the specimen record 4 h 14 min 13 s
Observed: 3 h 20 min 17 s
